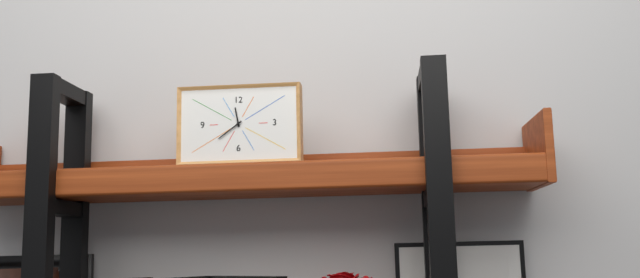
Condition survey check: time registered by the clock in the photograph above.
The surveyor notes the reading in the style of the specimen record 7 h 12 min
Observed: 11 h 39 min
